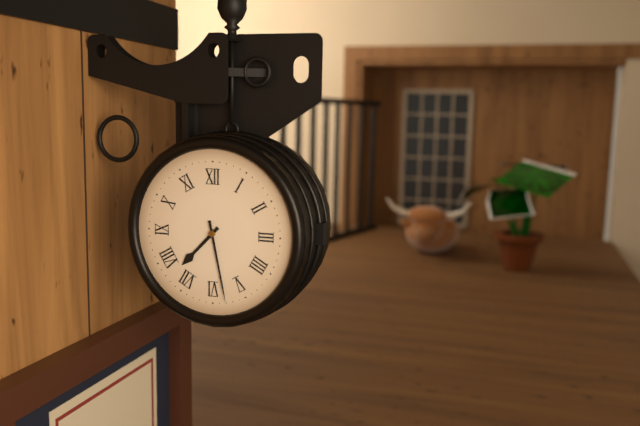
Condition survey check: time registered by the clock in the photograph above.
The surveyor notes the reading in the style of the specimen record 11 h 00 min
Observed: 7 h 28 min
